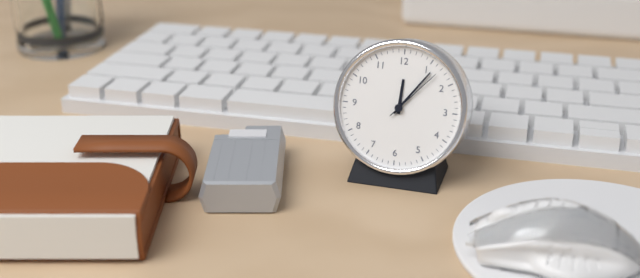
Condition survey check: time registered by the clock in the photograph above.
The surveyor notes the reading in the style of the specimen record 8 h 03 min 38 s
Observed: 12 h 06 min 07 s
